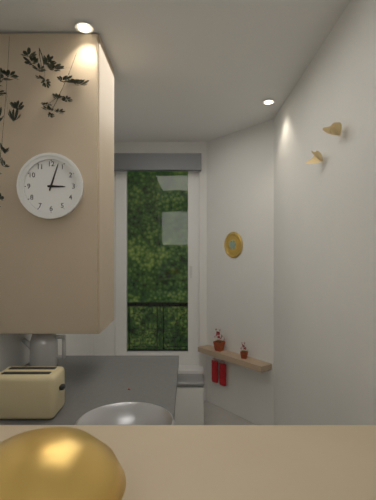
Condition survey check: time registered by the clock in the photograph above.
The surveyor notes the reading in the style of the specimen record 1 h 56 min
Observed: 3 h 03 min
